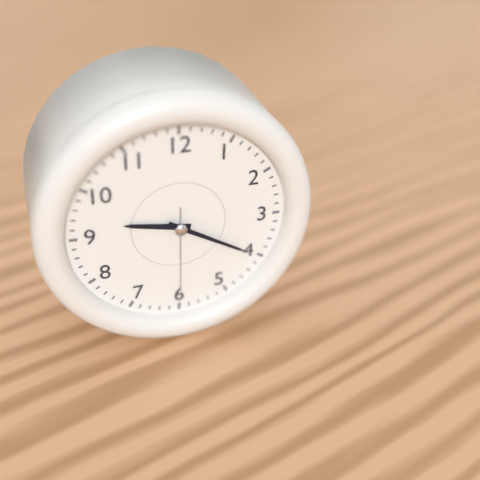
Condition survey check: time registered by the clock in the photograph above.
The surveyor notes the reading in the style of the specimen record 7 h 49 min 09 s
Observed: 9 h 20 min 30 s
